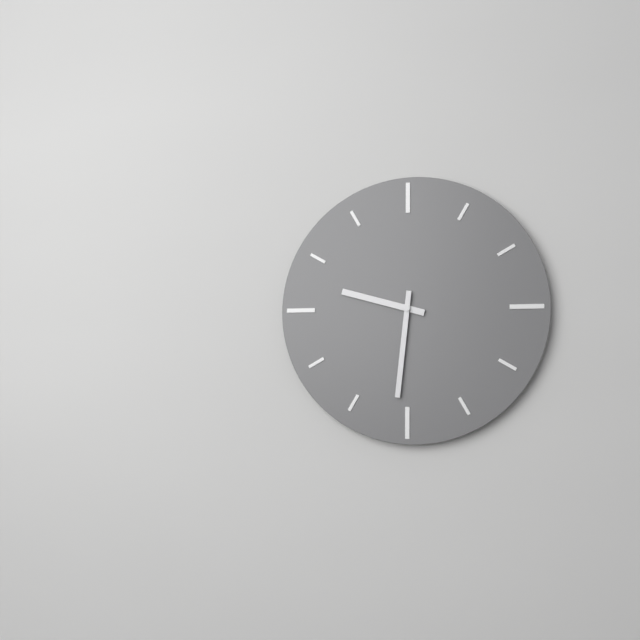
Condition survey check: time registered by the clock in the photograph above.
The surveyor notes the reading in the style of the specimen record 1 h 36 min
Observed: 9 h 31 min
